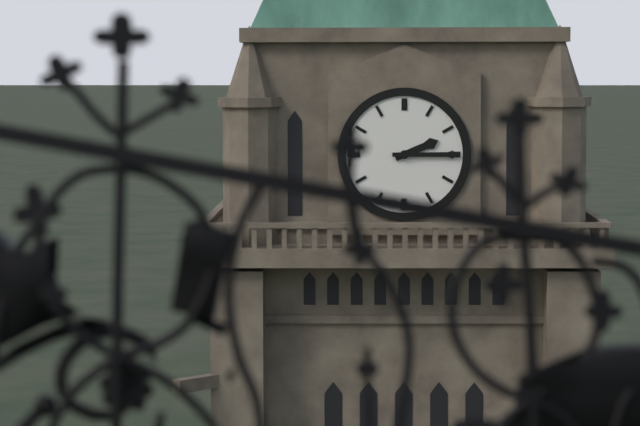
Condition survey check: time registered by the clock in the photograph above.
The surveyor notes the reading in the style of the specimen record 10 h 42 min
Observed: 2 h 15 min
